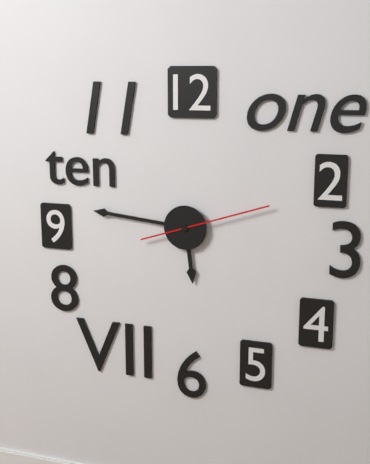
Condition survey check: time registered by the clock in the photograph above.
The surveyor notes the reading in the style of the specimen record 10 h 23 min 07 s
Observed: 5 h 46 min 12 s
